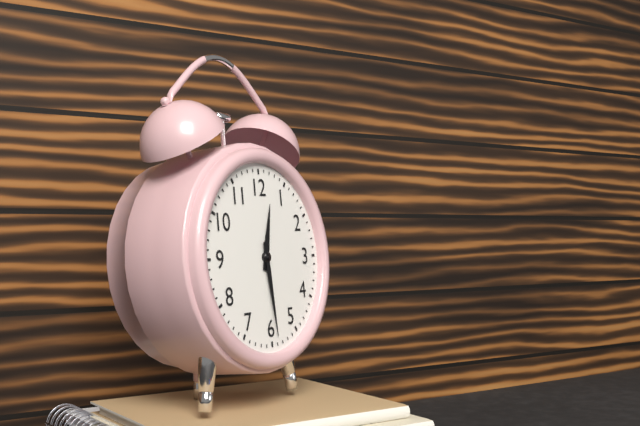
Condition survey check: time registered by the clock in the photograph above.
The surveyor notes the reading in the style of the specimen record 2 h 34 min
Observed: 12 h 29 min
